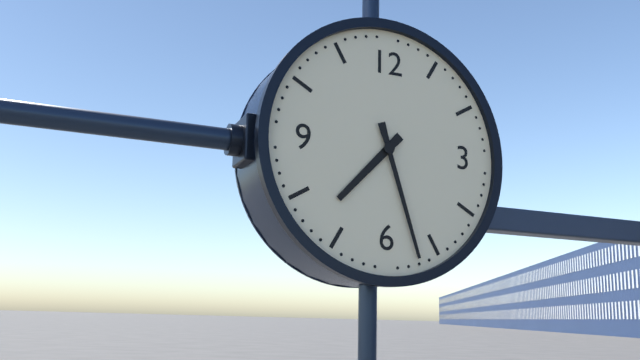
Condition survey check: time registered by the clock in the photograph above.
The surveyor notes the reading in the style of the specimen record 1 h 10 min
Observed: 7 h 27 min
